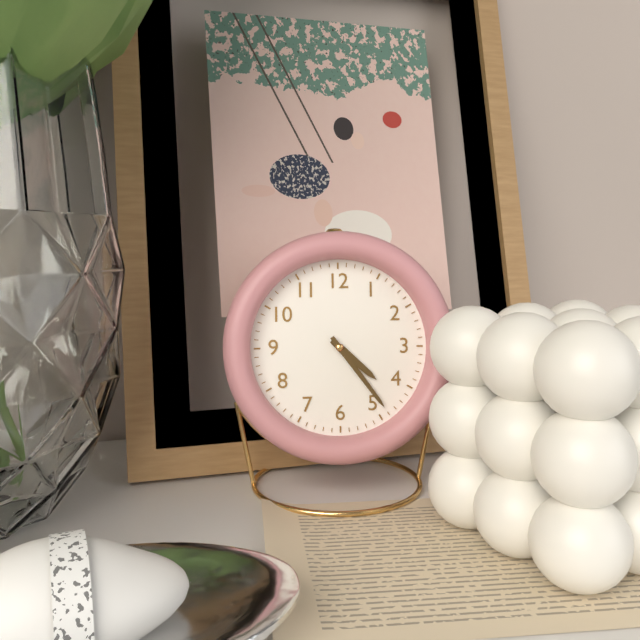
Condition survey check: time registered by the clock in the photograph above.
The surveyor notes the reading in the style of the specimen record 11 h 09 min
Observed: 4 h 24 min
